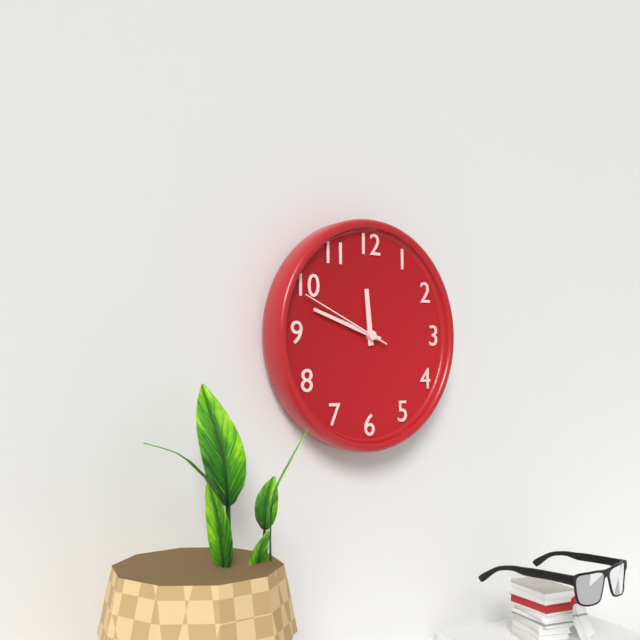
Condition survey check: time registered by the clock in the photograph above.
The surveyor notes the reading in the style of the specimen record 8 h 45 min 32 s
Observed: 11 h 48 min 49 s
